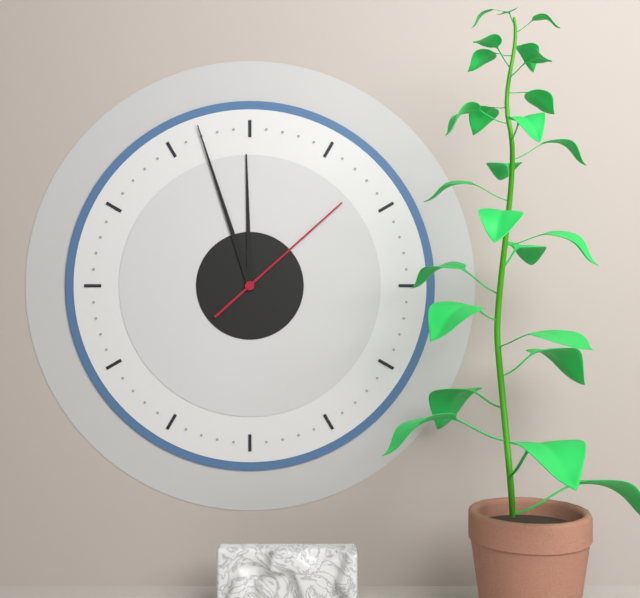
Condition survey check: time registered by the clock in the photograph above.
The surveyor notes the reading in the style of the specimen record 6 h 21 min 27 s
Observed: 11 h 57 min 08 s
